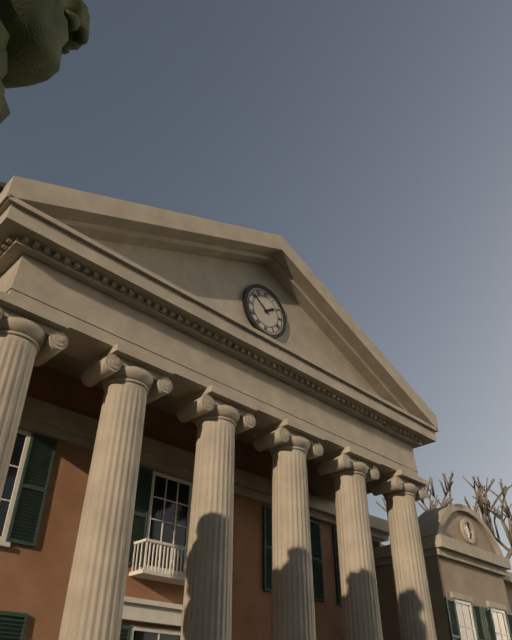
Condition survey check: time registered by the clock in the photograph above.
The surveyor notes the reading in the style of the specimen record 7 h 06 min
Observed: 1 h 51 min
